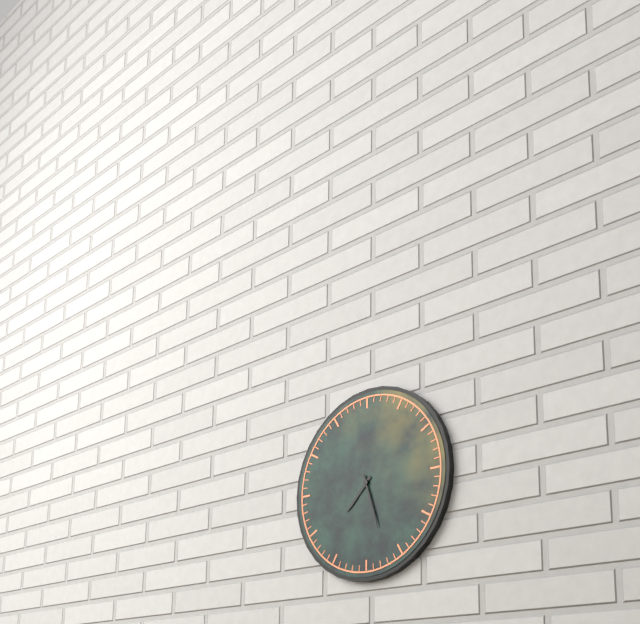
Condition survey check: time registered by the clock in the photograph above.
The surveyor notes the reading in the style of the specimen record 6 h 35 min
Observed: 7 h 27 min
